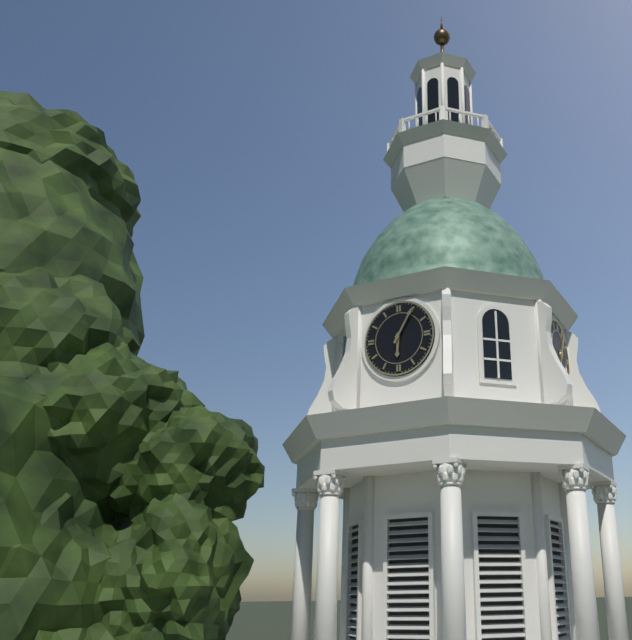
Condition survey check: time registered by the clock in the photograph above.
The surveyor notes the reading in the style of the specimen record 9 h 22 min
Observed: 6 h 05 min
